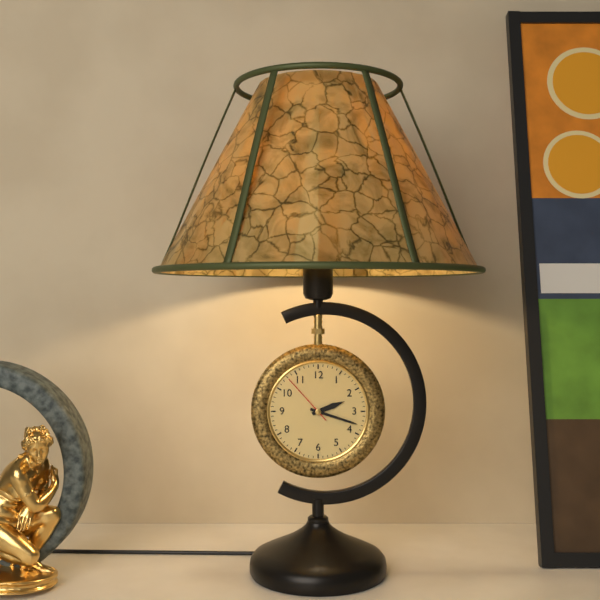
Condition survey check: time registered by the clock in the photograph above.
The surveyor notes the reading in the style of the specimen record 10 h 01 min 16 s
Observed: 2 h 18 min 53 s
